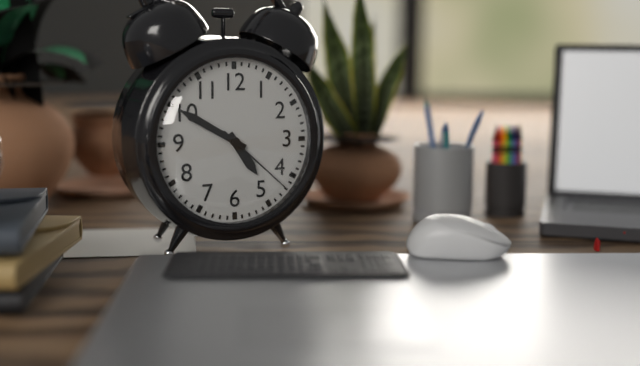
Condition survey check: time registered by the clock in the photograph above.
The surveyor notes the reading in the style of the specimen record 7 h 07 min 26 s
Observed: 4 h 50 min 22 s
